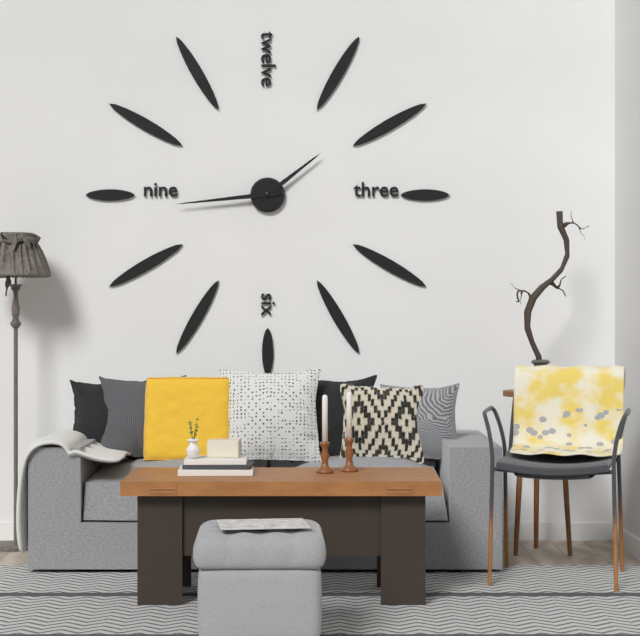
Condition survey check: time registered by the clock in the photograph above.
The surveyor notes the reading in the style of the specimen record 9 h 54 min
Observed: 1 h 44 min
